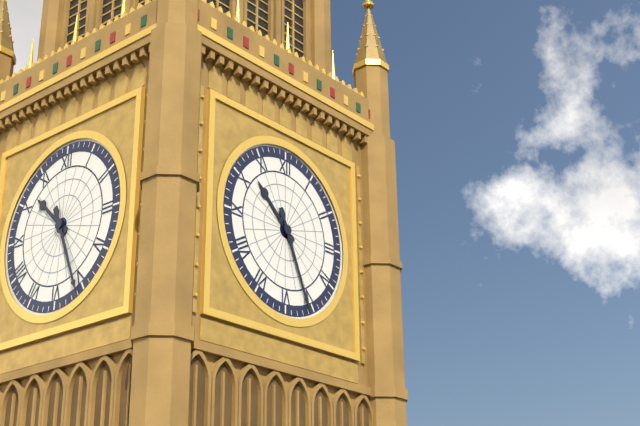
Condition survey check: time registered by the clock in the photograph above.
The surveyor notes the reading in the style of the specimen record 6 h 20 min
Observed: 10 h 26 min
